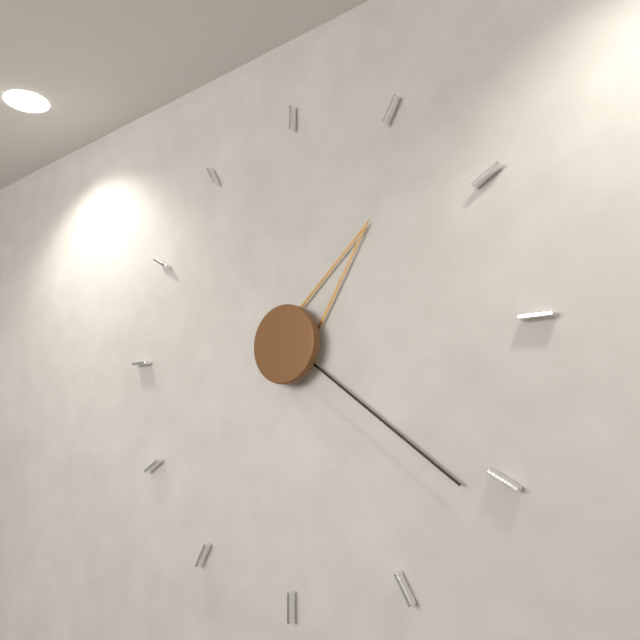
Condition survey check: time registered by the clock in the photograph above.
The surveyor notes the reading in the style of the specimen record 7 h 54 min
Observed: 1 h 21 min
